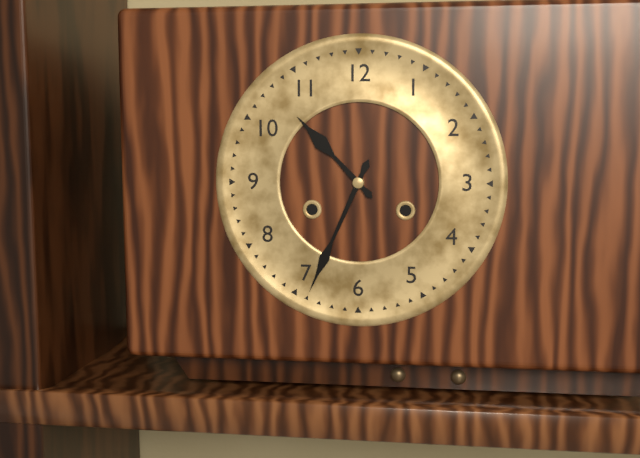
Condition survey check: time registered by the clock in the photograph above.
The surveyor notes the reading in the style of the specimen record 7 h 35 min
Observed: 10 h 34 min
